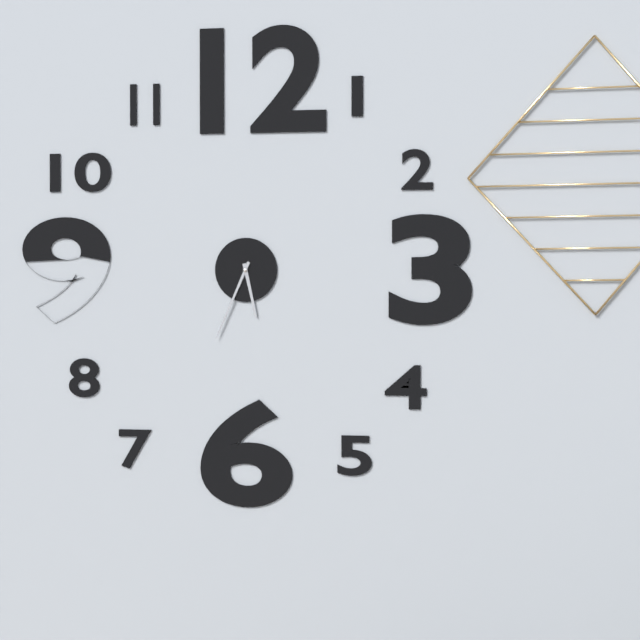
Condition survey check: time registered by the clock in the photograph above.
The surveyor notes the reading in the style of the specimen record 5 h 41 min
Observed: 5 h 34 min
